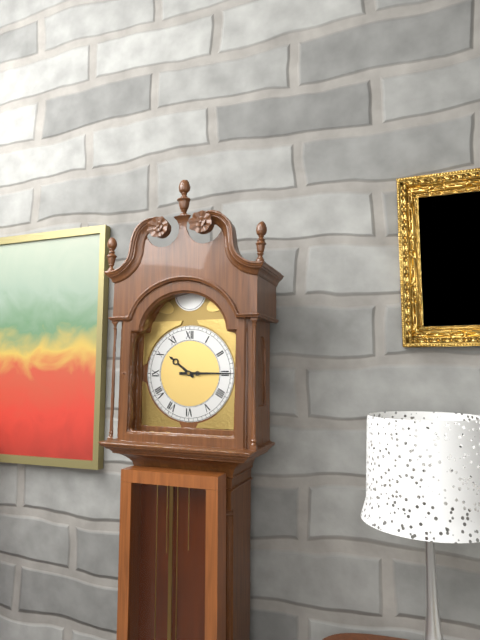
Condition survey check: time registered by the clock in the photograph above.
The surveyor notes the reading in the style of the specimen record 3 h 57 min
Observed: 10 h 15 min
